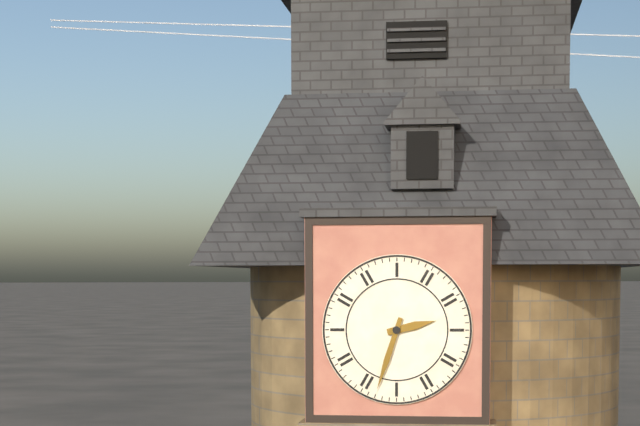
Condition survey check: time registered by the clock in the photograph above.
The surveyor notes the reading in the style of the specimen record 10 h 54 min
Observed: 2 h 33 min
